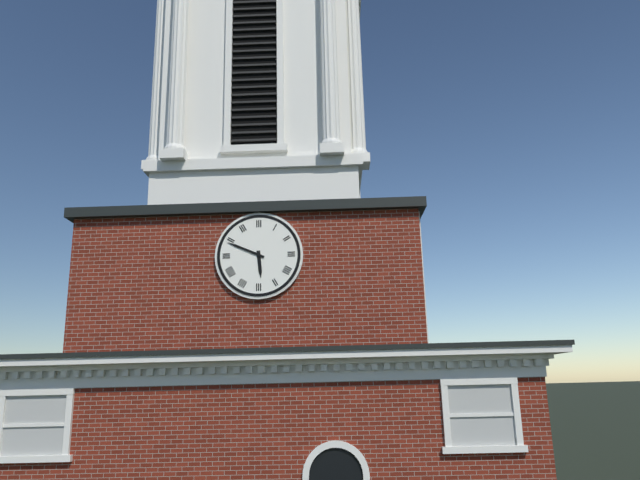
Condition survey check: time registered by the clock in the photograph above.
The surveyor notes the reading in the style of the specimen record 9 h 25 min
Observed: 5 h 49 min
